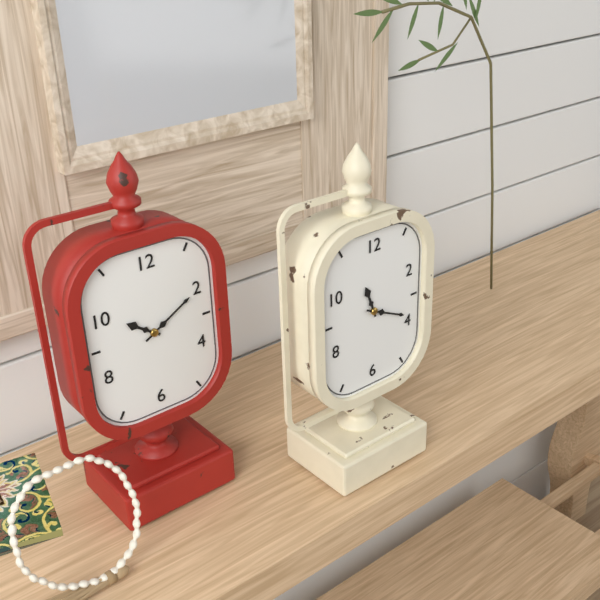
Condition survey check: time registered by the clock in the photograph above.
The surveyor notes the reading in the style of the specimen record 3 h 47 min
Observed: 11 h 19 min
